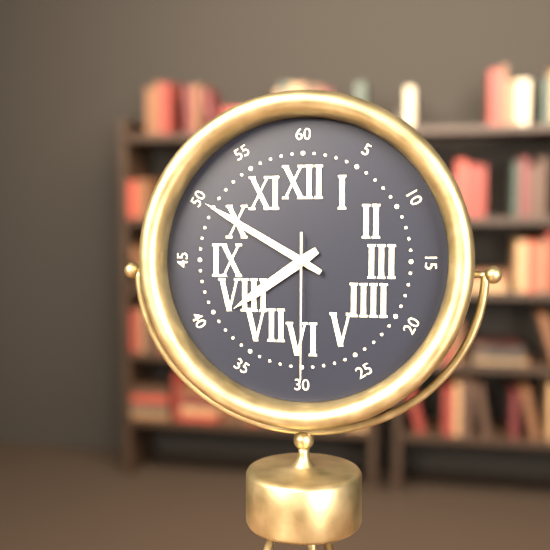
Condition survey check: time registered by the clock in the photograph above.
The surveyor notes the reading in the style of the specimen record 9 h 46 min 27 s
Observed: 7 h 50 min 30 s
